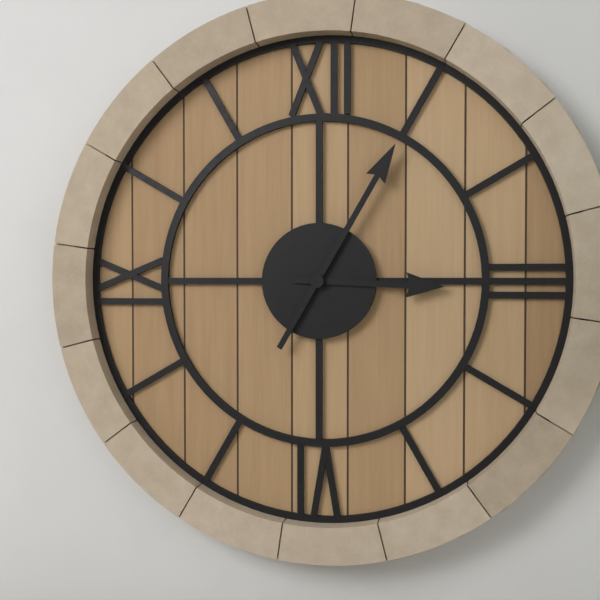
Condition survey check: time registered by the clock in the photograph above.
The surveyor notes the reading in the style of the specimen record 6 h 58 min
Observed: 3 h 05 min
